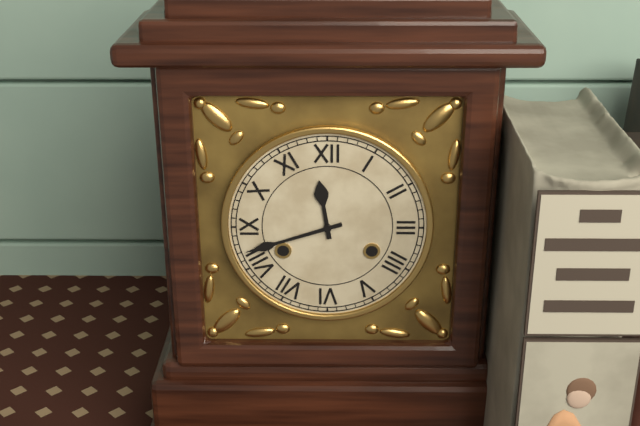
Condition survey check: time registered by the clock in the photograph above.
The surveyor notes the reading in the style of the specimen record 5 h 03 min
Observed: 11 h 42 min
